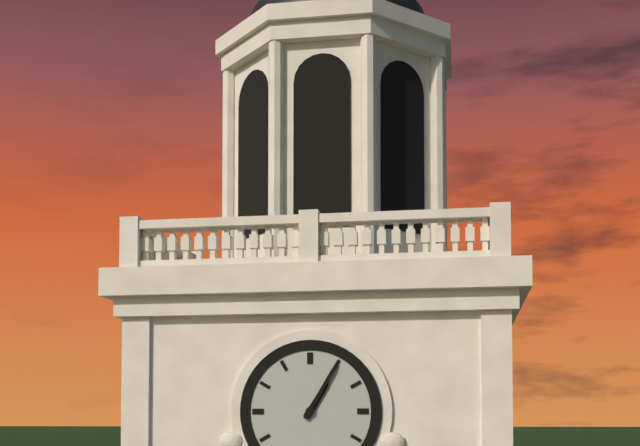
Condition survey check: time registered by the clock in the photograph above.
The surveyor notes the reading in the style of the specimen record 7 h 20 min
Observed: 1 h 05 min
